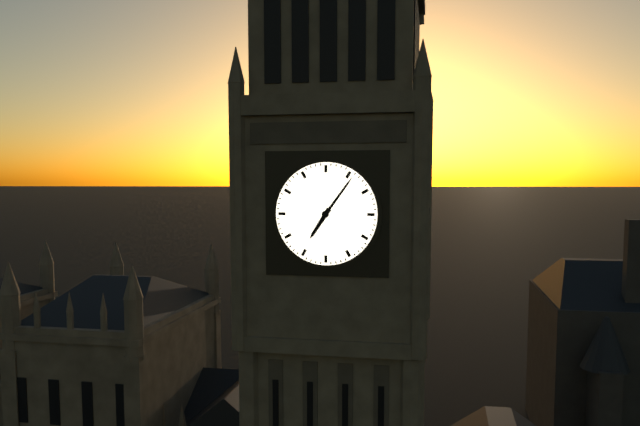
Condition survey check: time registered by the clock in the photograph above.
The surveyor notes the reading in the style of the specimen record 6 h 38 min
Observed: 7 h 06 min
